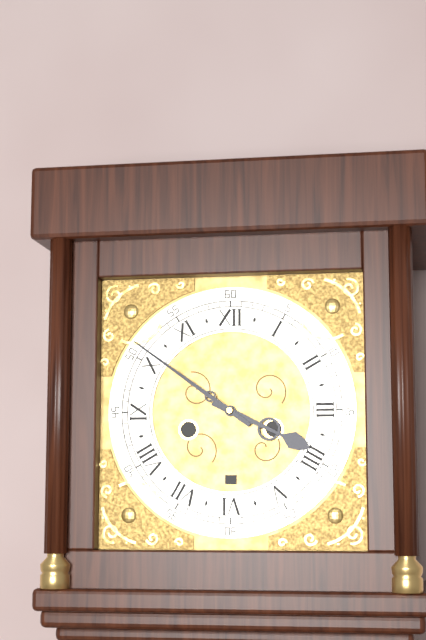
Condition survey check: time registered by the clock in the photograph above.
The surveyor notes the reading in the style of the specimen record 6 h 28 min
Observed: 3 h 51 min
